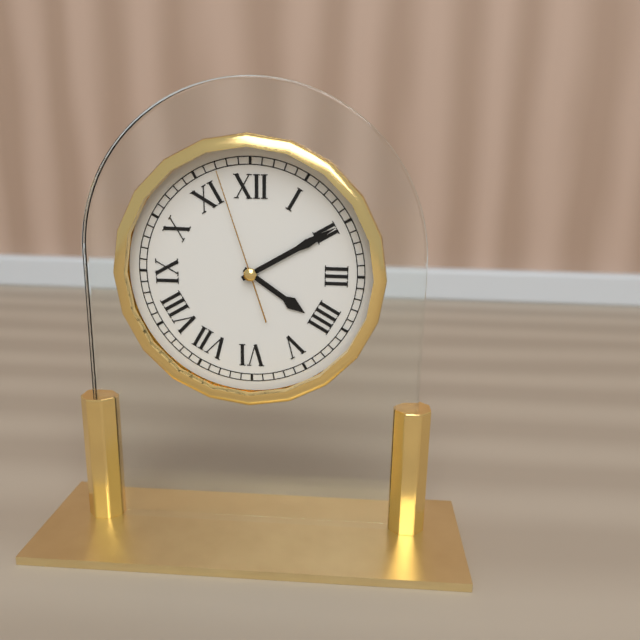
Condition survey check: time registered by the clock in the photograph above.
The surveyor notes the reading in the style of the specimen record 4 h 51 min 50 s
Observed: 4 h 10 min 57 s
